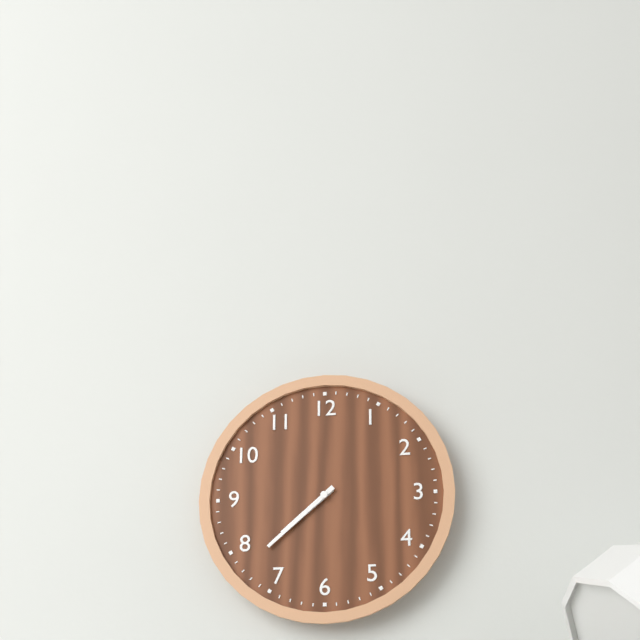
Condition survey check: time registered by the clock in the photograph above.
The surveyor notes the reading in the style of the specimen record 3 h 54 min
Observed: 7 h 38 min
